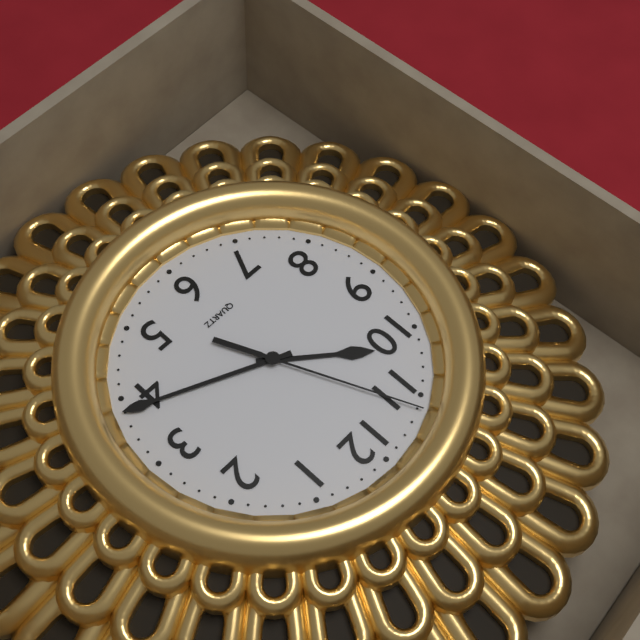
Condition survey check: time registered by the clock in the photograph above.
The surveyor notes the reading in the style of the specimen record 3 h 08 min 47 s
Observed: 10 h 19 min 56 s
